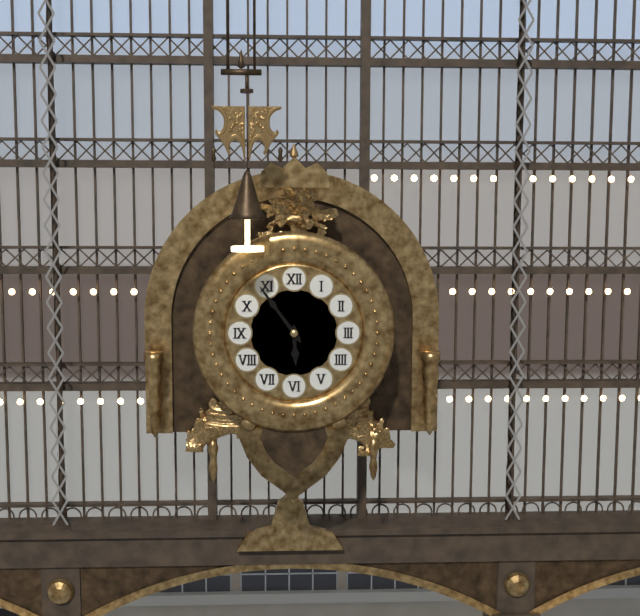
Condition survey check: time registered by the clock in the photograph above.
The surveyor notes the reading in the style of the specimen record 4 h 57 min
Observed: 5 h 54 min
